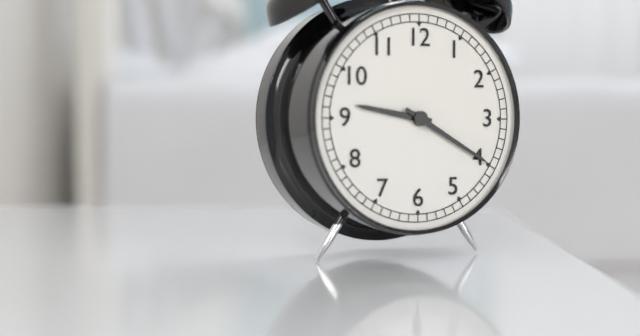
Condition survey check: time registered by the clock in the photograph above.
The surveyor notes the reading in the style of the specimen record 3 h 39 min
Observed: 9 h 20 min
